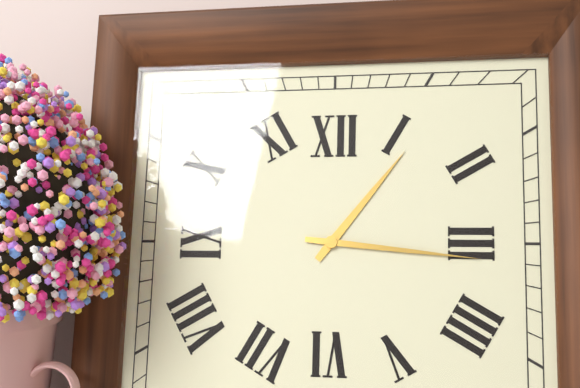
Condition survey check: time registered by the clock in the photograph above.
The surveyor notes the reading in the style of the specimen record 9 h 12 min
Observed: 1 h 16 min
